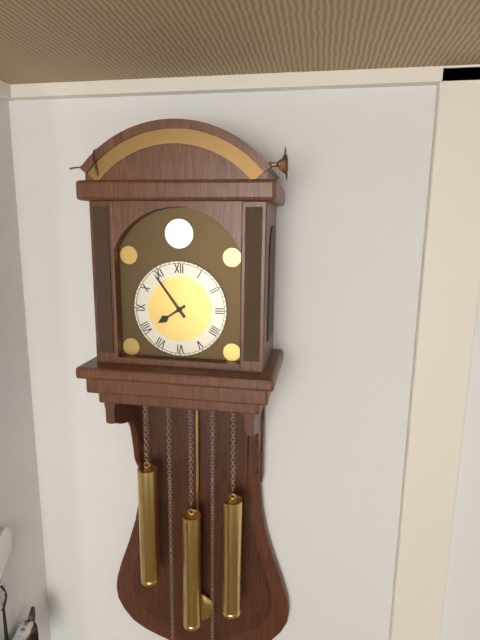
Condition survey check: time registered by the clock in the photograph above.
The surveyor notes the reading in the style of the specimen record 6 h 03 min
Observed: 7 h 54 min
